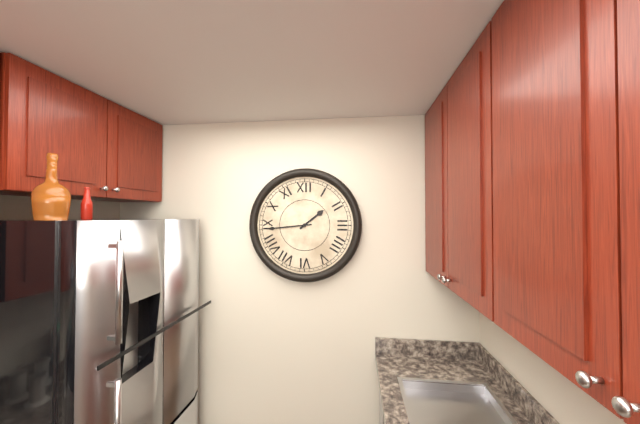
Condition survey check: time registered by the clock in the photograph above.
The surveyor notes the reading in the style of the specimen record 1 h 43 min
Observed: 1 h 44 min
